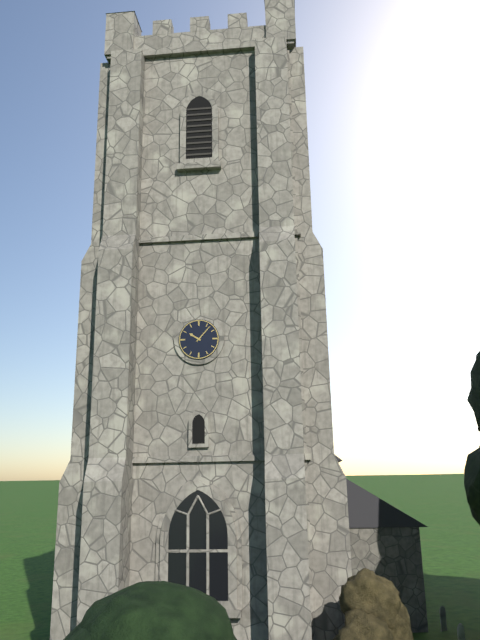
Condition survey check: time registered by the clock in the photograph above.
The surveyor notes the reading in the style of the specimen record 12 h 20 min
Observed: 10 h 07 min
